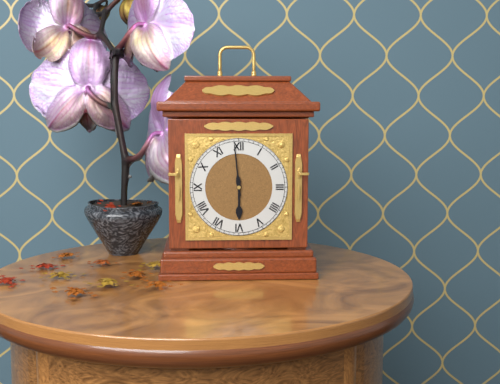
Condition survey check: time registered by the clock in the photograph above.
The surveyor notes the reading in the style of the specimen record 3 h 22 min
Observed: 5 h 59 min
